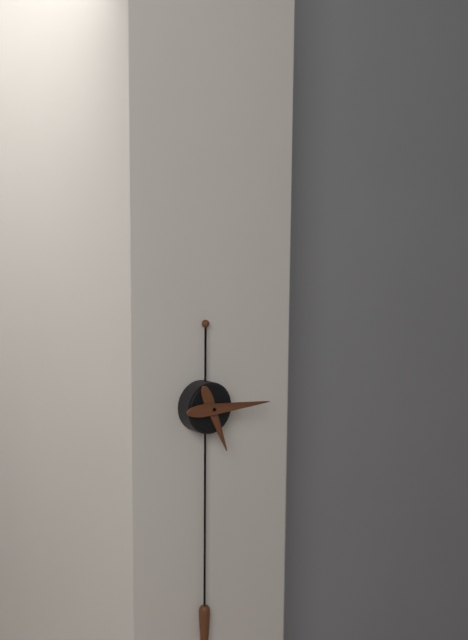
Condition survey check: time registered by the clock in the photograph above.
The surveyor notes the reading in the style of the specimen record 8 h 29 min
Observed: 5 h 15 min
